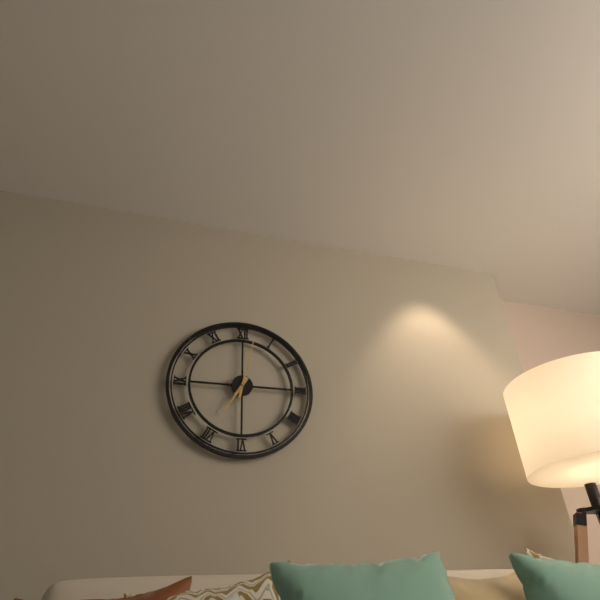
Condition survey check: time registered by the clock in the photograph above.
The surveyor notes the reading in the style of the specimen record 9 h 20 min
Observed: 7 h 02 min
